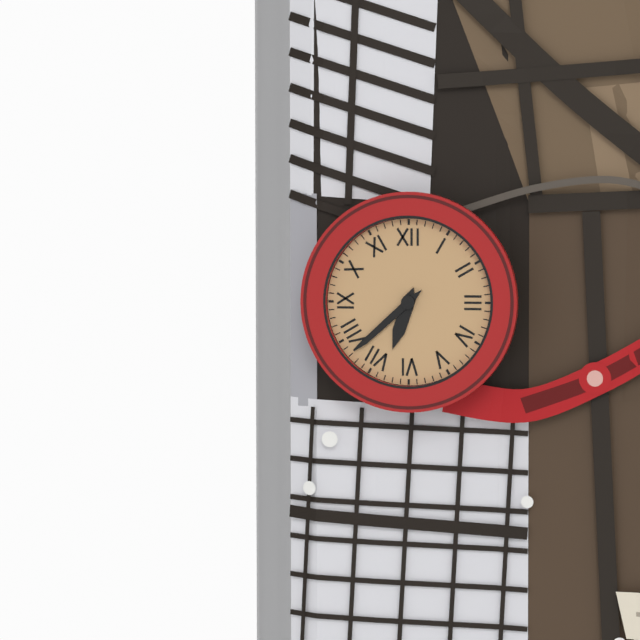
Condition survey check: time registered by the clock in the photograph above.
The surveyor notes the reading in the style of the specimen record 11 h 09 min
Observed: 6 h 38 min
